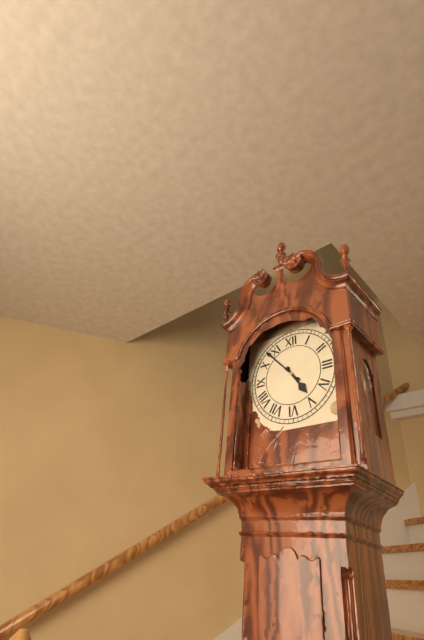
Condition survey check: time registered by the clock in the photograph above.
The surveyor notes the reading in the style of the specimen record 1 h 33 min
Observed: 4 h 53 min
